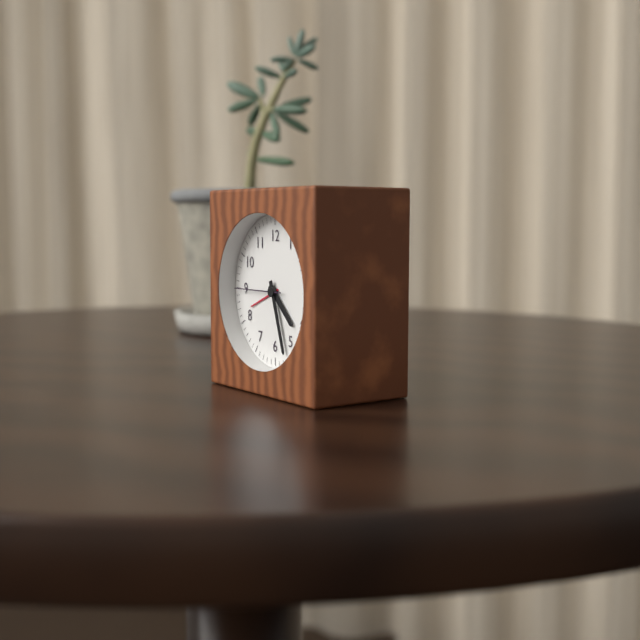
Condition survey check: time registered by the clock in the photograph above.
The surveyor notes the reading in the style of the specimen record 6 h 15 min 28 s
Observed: 4 h 27 min 45 s
